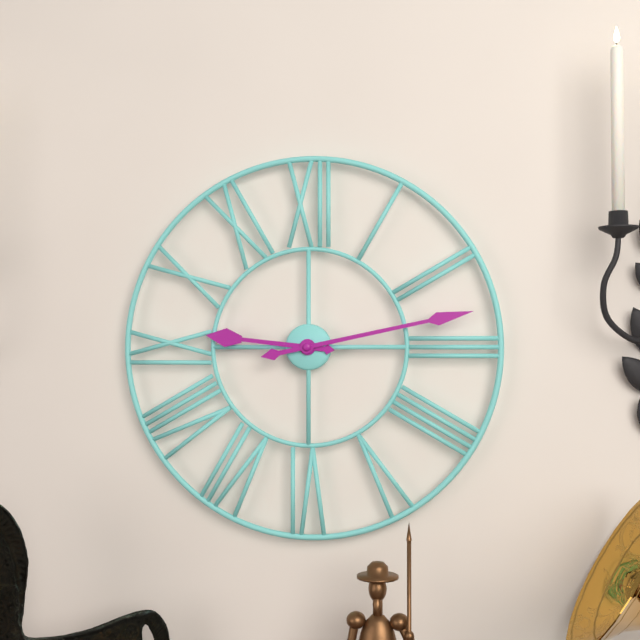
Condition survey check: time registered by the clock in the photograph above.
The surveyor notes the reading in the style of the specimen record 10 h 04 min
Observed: 9 h 13 min
